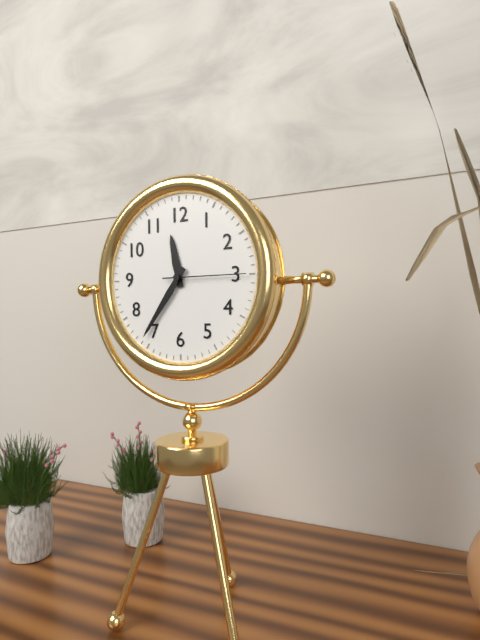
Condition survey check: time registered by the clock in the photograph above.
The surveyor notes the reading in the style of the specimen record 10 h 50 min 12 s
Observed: 11 h 36 min 15 s
